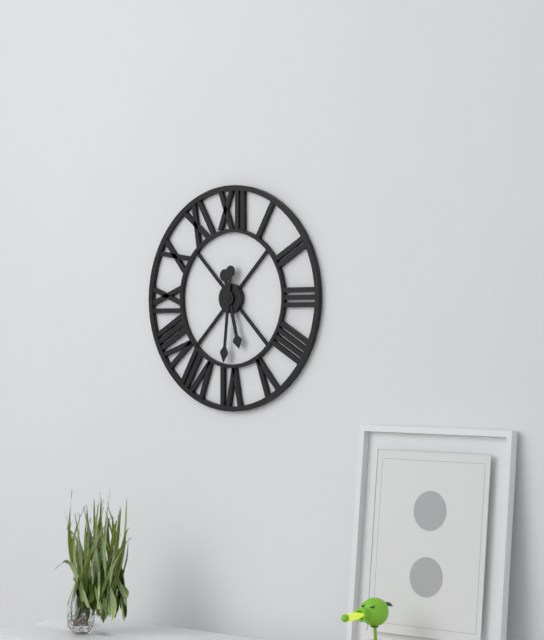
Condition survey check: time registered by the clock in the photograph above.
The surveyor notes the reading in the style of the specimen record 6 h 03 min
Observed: 5 h 31 min
